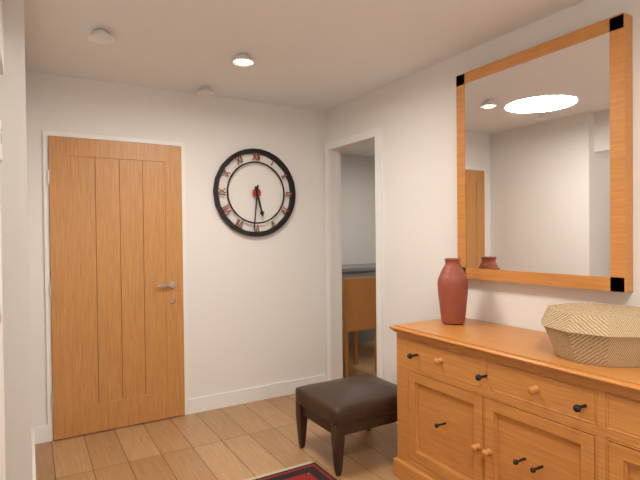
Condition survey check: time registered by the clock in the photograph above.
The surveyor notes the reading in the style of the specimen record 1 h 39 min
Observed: 5 h 31 min
